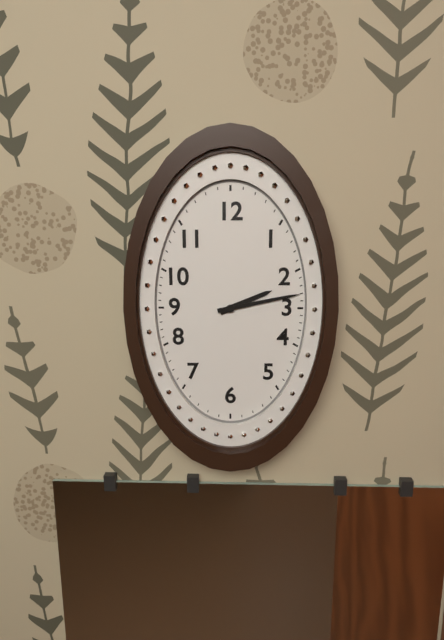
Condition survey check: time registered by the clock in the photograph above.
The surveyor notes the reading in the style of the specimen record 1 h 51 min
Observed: 2 h 13 min
